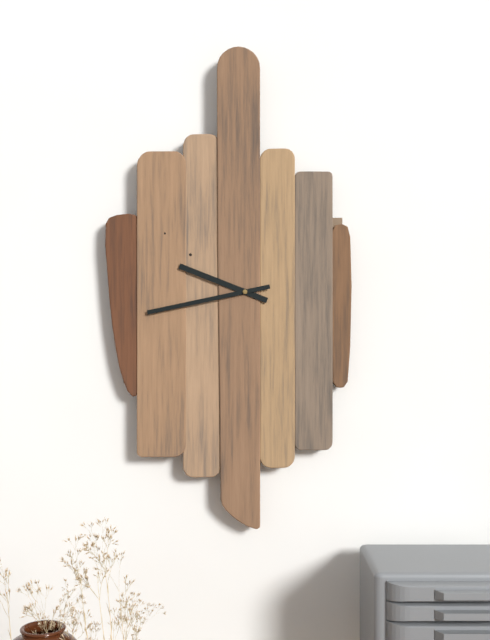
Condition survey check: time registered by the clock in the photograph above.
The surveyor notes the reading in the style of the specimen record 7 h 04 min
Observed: 9 h 43 min
